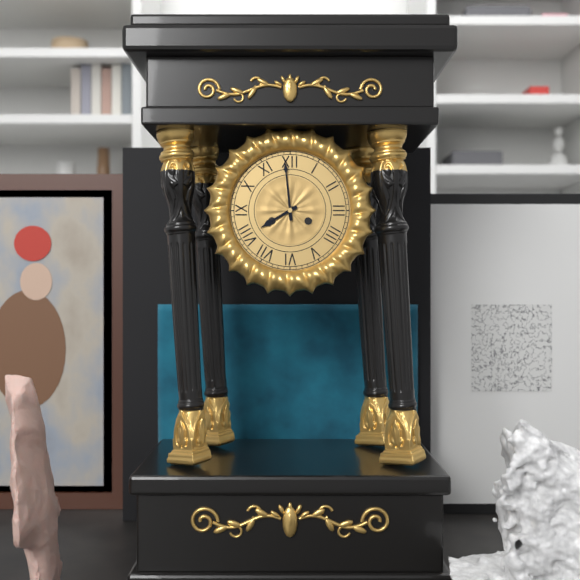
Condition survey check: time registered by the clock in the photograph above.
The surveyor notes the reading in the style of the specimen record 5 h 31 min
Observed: 7 h 59 min
